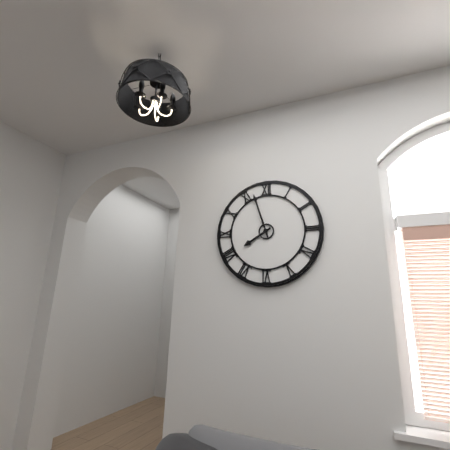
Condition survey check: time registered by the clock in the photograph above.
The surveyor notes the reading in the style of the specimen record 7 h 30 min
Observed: 7 h 57 min
